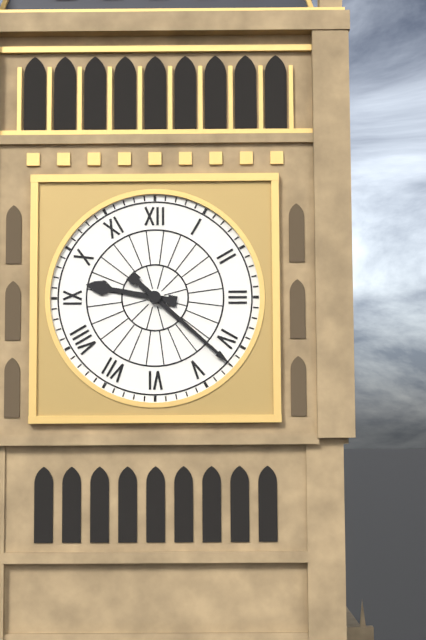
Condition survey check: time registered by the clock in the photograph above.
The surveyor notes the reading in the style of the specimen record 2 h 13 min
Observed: 9 h 22 min
